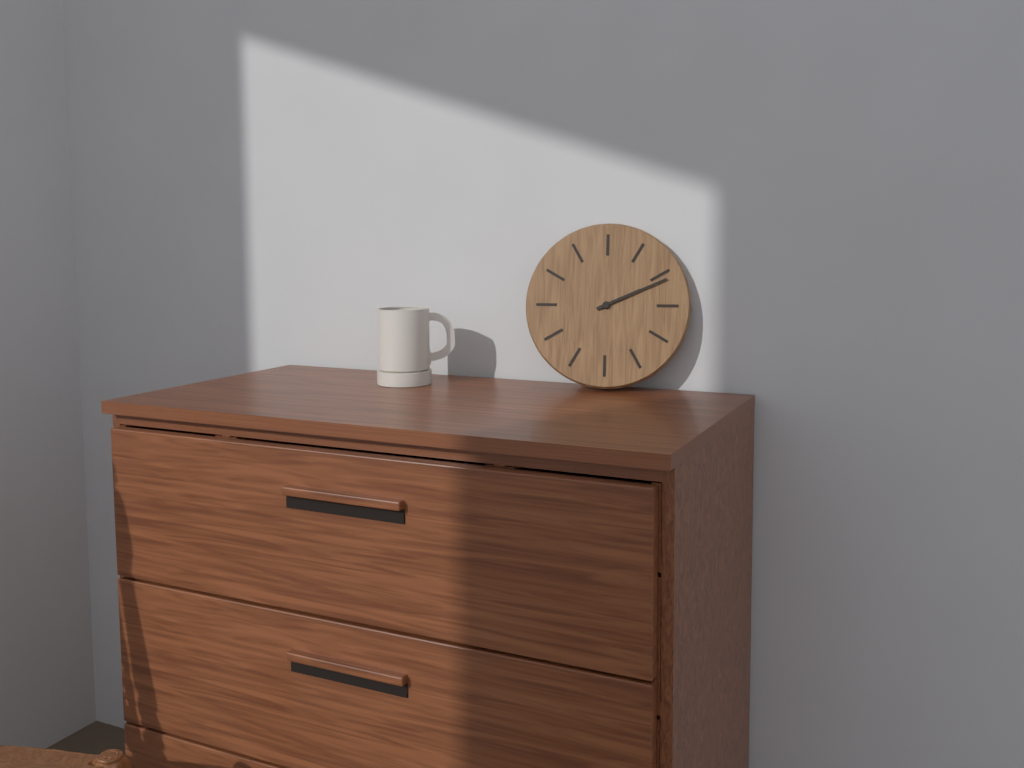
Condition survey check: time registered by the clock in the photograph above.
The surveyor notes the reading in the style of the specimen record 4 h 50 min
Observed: 2 h 11 min
